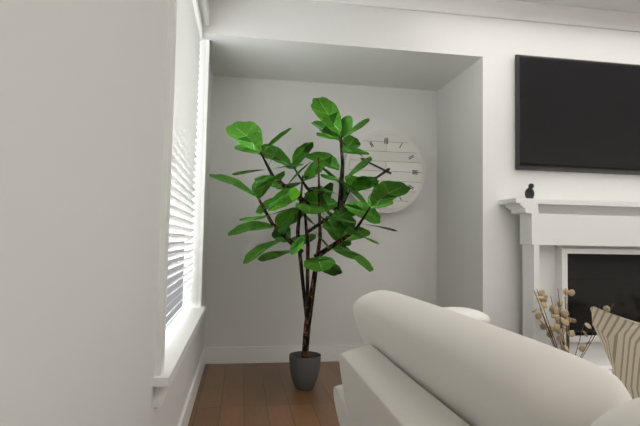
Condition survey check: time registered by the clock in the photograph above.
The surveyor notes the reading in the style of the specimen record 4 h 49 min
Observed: 7 h 49 min
